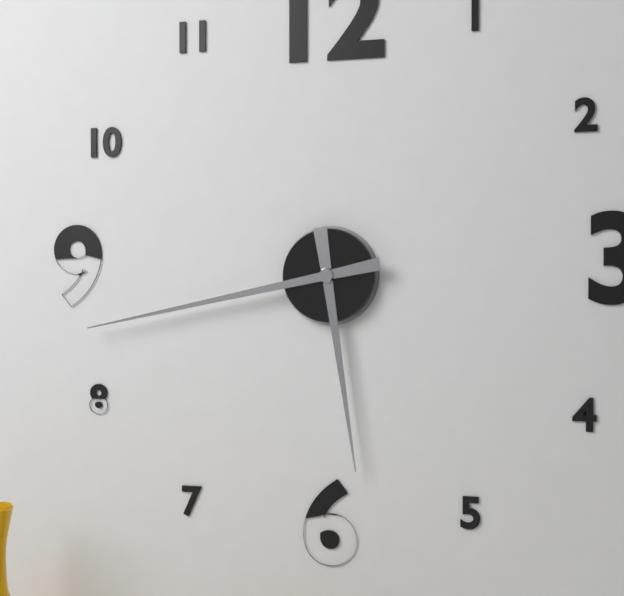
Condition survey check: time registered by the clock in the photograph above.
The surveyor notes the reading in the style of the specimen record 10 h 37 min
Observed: 5 h 43 min
